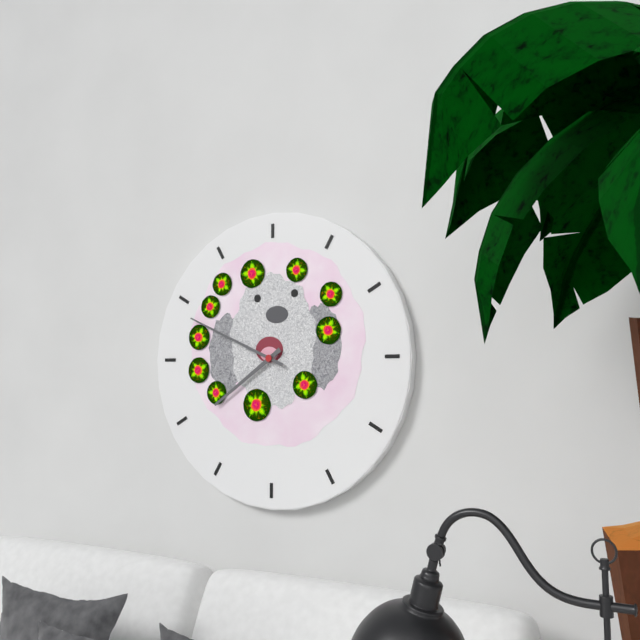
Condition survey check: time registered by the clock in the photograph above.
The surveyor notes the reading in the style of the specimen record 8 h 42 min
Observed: 7 h 49 min
